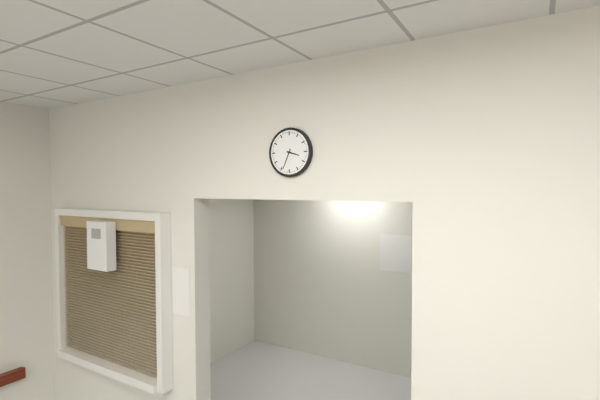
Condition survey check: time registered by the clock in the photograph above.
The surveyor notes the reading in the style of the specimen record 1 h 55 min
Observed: 3 h 34 min
